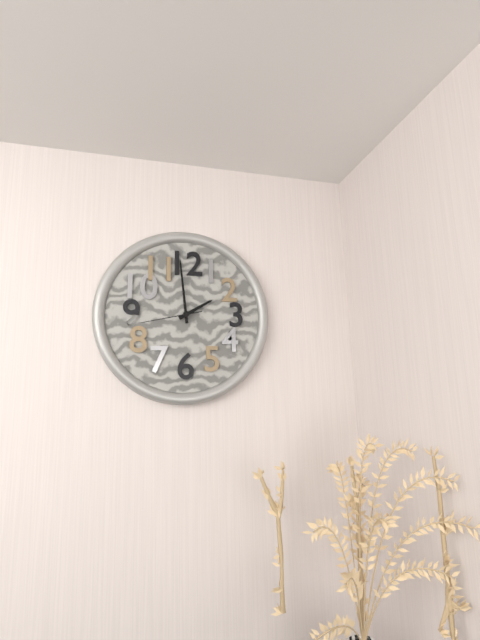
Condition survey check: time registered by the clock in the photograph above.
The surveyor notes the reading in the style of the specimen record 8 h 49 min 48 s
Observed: 1 h 59 min 43 s
